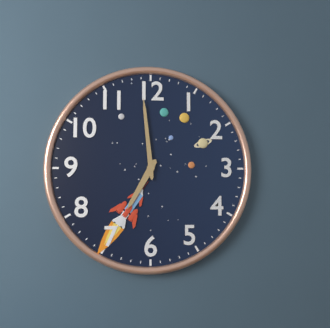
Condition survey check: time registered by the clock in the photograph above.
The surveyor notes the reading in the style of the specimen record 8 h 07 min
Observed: 6 h 59 min
